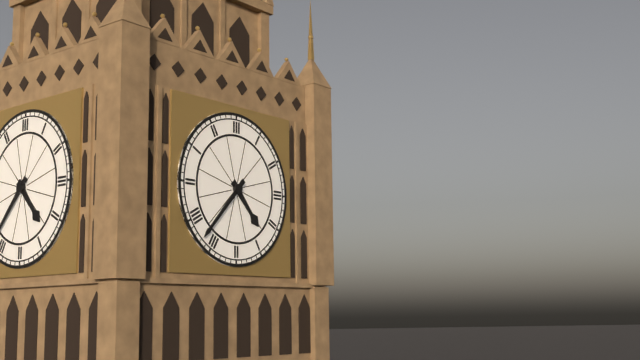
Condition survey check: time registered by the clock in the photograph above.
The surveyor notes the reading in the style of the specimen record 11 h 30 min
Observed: 4 h 37 min
